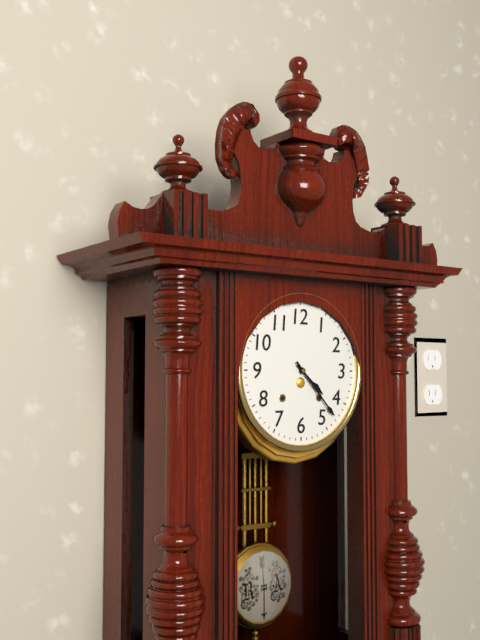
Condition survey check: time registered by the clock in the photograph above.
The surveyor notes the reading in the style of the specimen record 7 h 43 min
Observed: 4 h 23 min
